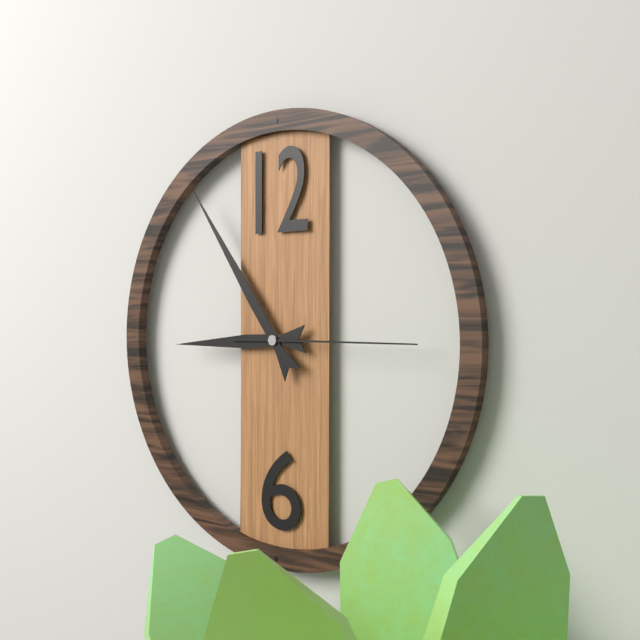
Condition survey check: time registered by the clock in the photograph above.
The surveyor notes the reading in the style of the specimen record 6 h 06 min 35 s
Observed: 8 h 54 min 15 s
